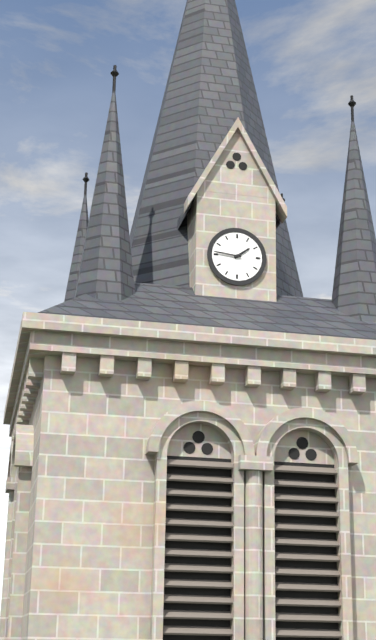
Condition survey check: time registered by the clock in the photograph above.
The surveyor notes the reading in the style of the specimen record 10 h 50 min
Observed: 1 h 46 min
